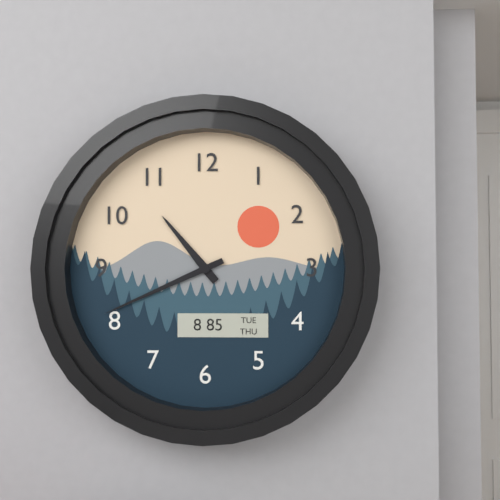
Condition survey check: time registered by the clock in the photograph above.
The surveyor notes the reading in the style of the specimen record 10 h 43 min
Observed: 10 h 41 min
